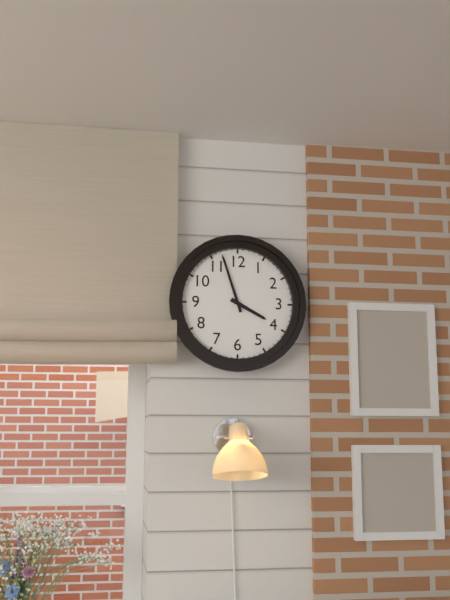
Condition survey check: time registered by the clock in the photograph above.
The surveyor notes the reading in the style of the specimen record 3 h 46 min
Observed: 3 h 57 min
